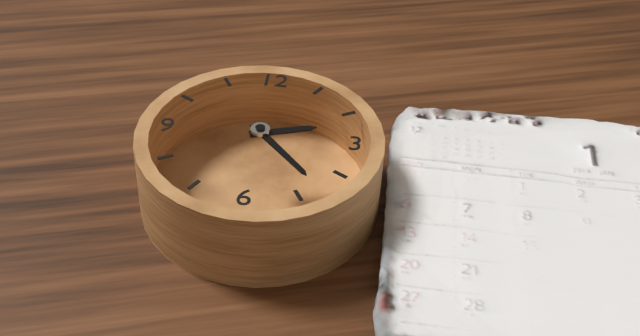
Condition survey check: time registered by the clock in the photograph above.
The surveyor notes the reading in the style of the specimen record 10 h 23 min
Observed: 2 h 23 min
